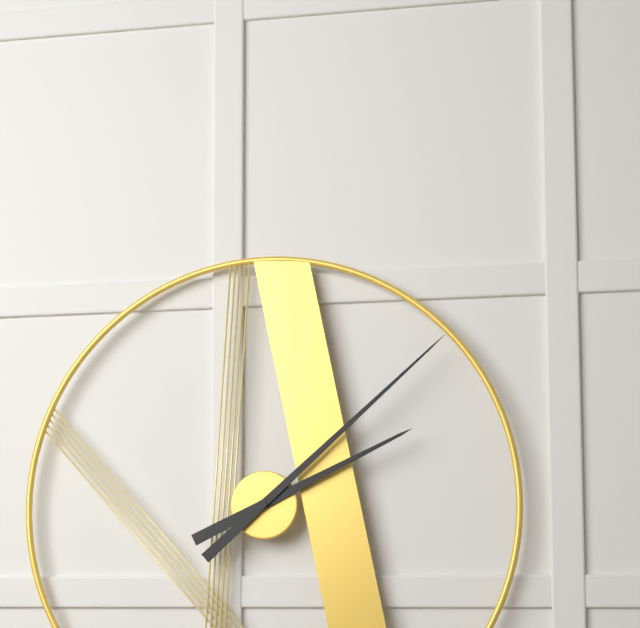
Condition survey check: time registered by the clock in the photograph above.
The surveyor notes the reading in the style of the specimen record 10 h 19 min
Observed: 2 h 08 min
